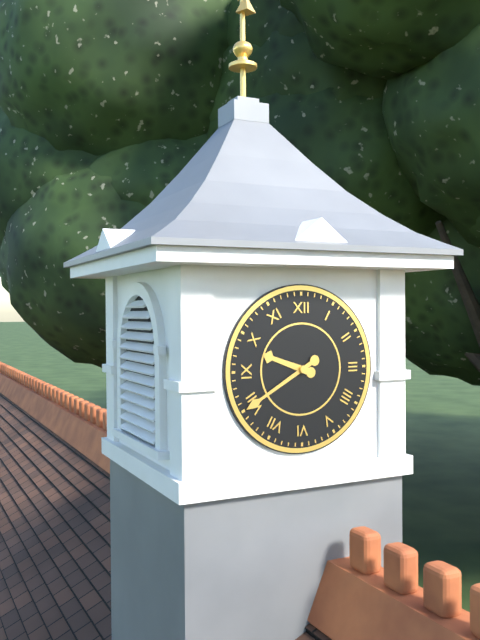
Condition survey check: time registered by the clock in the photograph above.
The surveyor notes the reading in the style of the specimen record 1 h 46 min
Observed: 9 h 40 min
